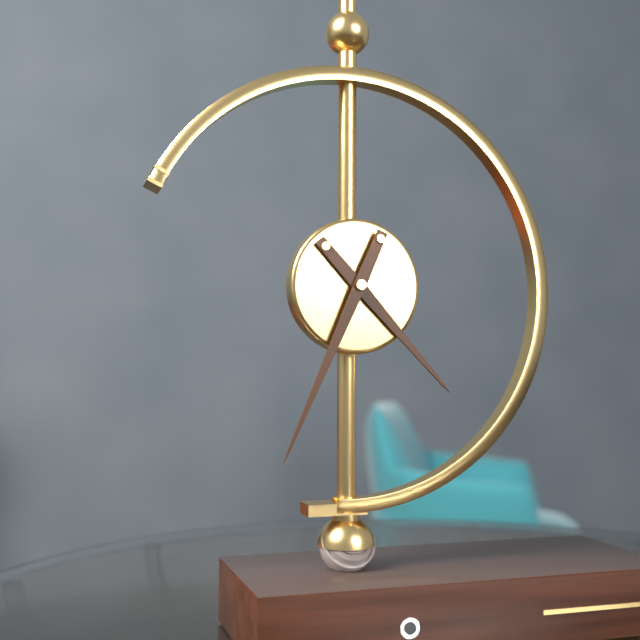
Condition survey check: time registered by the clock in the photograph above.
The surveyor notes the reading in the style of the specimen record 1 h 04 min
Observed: 4 h 34 min
